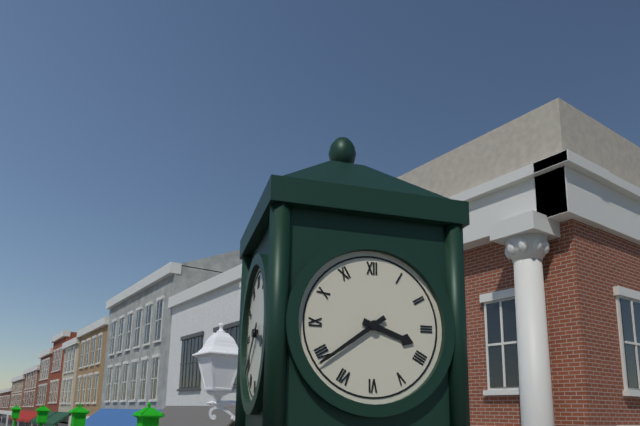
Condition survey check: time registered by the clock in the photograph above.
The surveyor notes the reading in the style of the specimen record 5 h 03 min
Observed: 3 h 39 min
